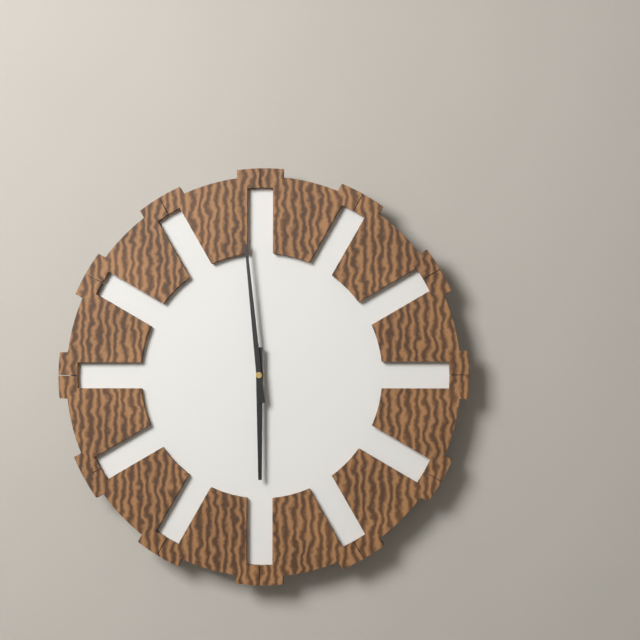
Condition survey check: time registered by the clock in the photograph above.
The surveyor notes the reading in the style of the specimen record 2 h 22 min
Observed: 5 h 59 min
